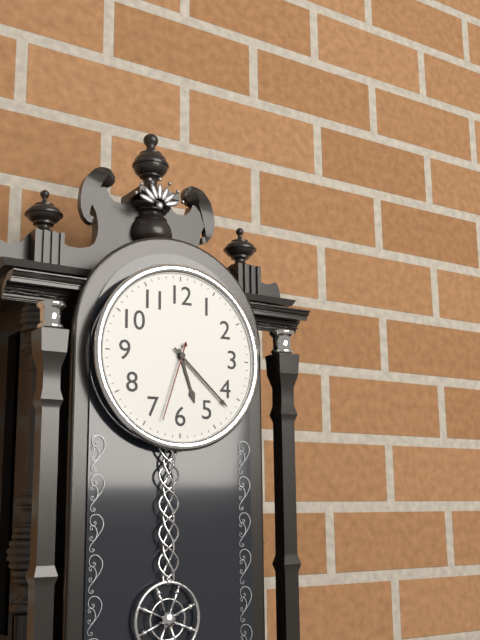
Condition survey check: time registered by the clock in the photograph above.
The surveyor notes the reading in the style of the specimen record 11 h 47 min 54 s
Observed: 5 h 22 min 33 s
